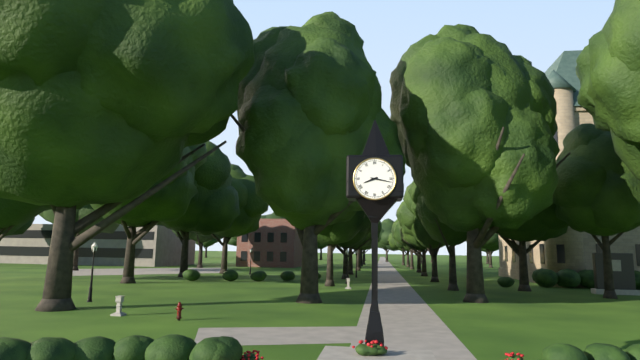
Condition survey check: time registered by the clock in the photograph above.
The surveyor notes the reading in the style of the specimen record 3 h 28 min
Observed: 8 h 17 min
